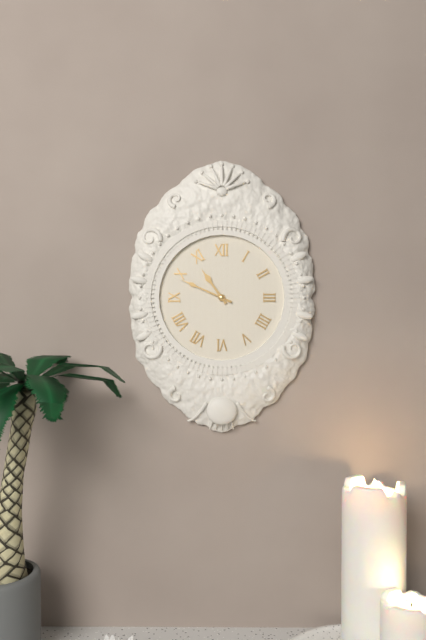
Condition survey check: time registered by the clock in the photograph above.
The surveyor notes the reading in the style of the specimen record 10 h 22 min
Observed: 10 h 49 min
